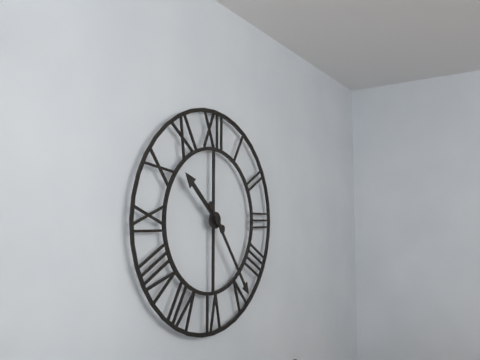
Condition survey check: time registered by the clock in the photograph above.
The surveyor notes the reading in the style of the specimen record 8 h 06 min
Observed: 10 h 24 min
